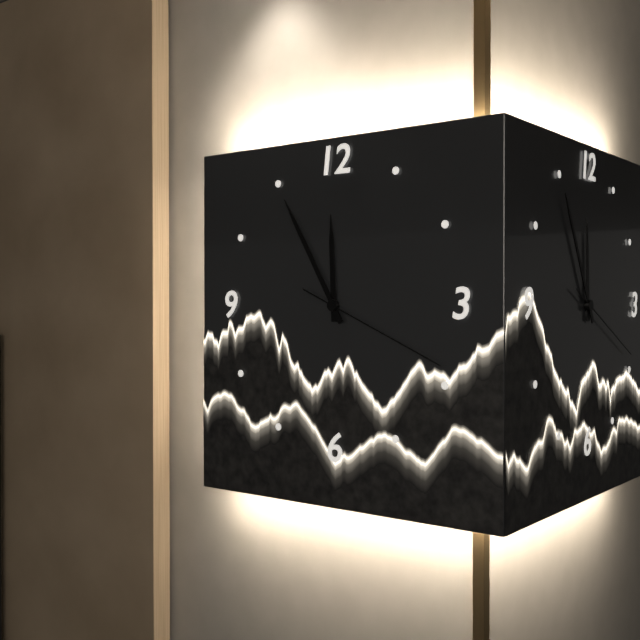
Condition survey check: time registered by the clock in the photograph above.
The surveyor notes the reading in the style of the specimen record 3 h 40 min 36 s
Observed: 11 h 55 min 19 s
